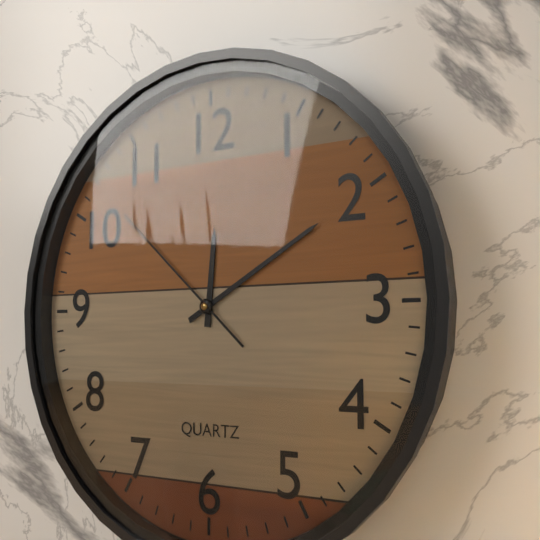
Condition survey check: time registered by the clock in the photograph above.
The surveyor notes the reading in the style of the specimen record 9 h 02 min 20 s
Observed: 12 h 10 min 52 s
